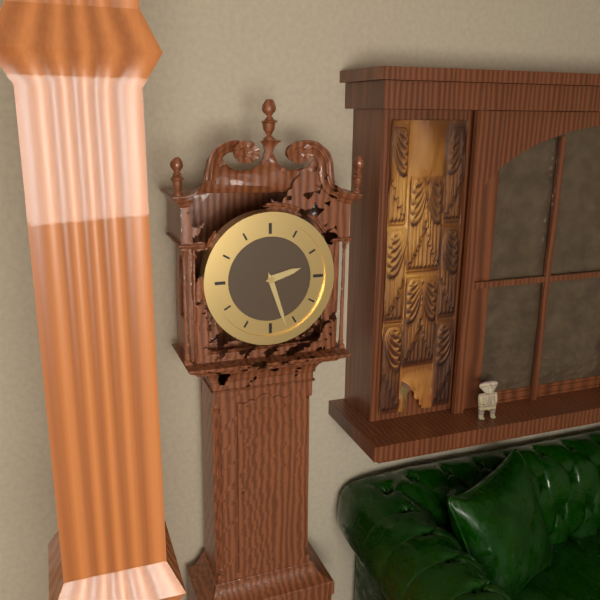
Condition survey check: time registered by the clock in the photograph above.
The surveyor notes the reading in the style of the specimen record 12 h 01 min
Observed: 2 h 27 min
